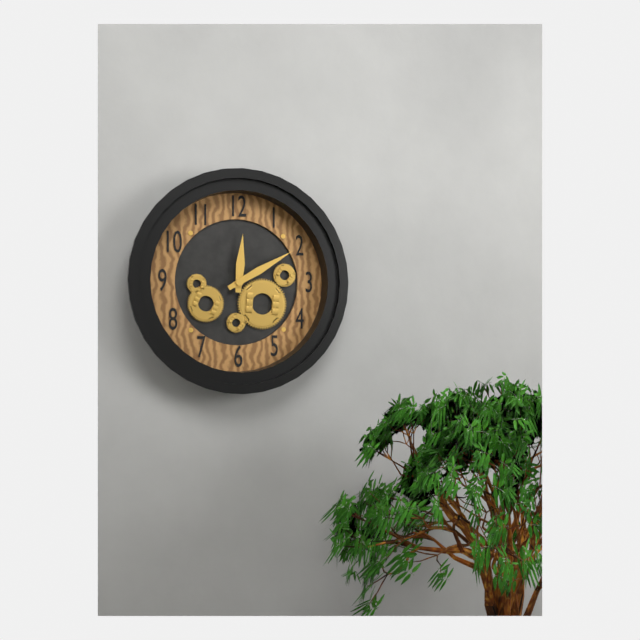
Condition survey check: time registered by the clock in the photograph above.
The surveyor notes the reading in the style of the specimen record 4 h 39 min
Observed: 12 h 10 min
